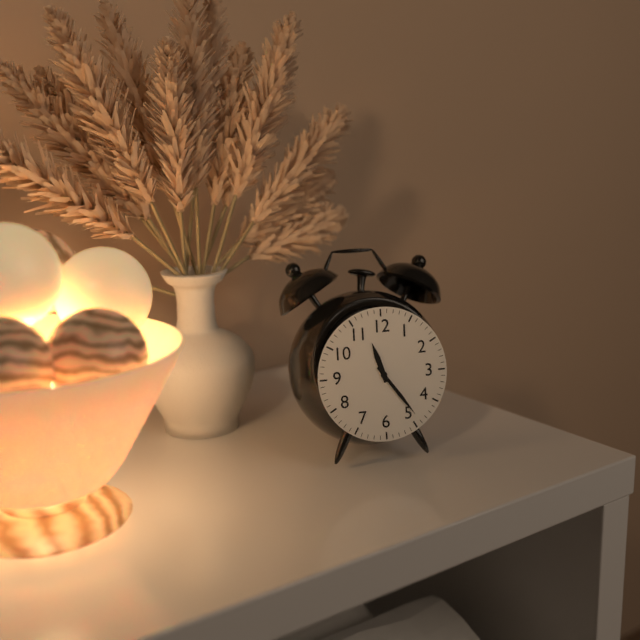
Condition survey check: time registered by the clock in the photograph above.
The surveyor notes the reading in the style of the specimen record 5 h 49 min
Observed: 11 h 24 min
